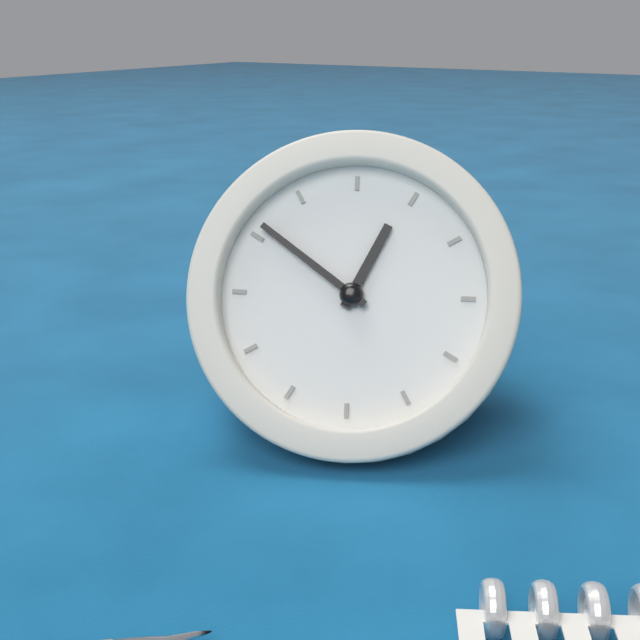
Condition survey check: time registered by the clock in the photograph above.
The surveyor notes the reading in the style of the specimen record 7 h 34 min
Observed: 12 h 51 min
